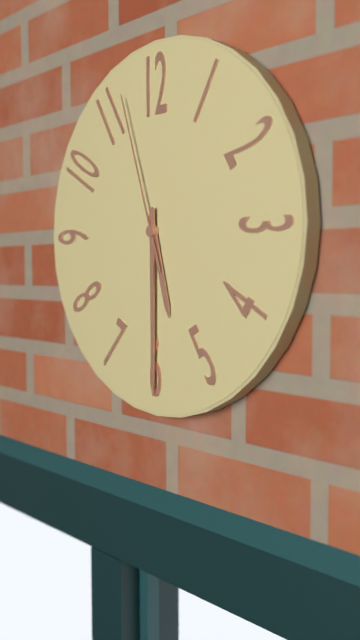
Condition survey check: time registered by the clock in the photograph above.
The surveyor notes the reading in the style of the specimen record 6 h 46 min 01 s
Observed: 5 h 30 min 57 s
